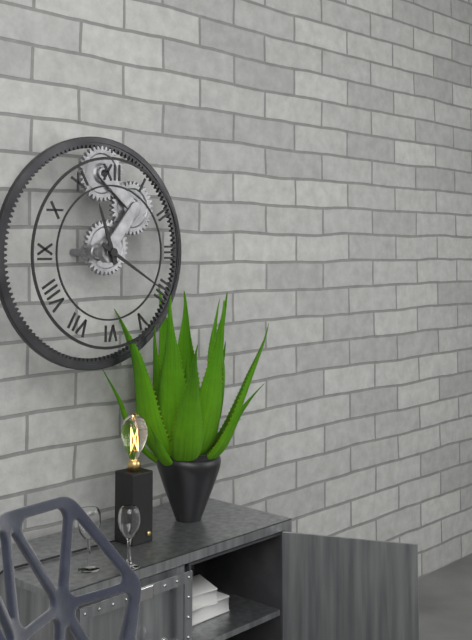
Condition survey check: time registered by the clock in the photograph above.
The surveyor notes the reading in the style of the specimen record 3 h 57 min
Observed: 11 h 20 min
